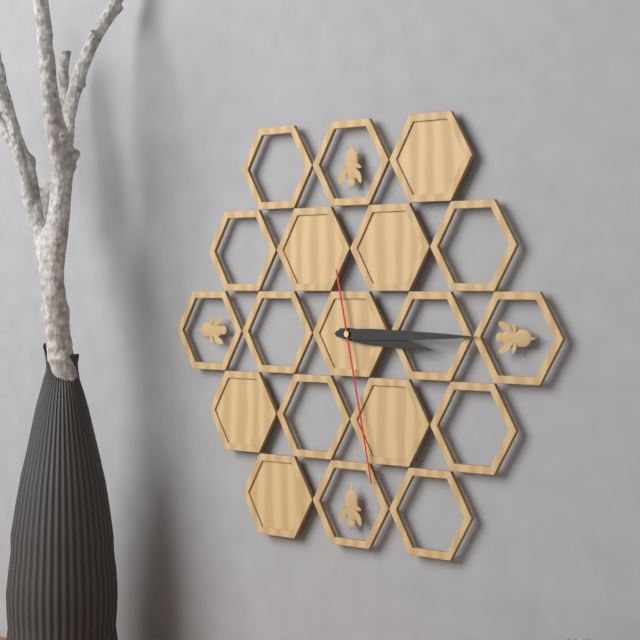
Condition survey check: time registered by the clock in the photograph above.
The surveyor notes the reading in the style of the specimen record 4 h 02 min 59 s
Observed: 3 h 15 min 28 s
